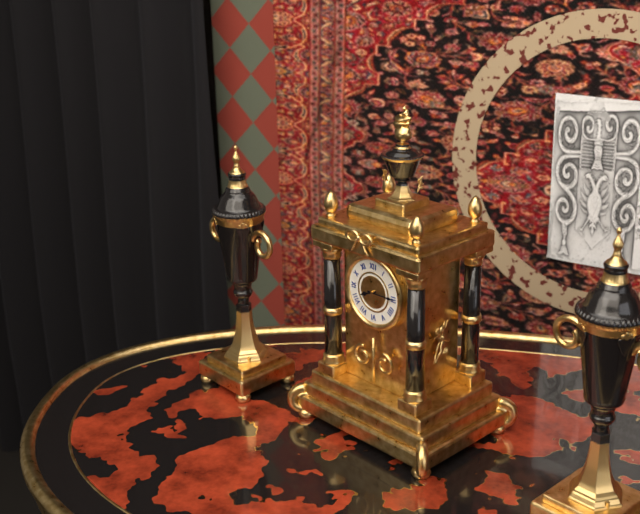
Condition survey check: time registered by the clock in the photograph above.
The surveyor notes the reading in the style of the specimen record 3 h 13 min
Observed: 8 h 15 min
